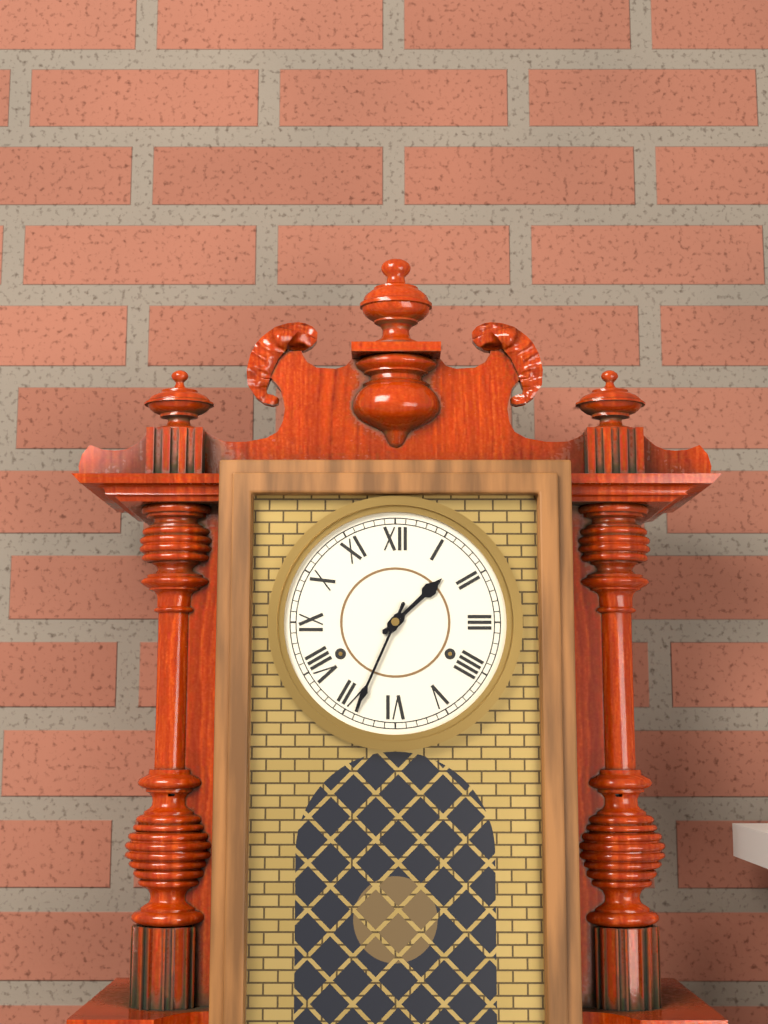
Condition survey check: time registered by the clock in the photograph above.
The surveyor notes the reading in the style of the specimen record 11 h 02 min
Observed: 1 h 34 min
